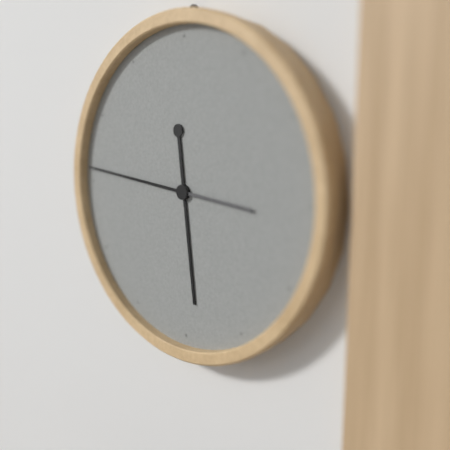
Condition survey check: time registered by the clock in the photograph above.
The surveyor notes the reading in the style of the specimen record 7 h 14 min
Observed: 5 h 46 min
